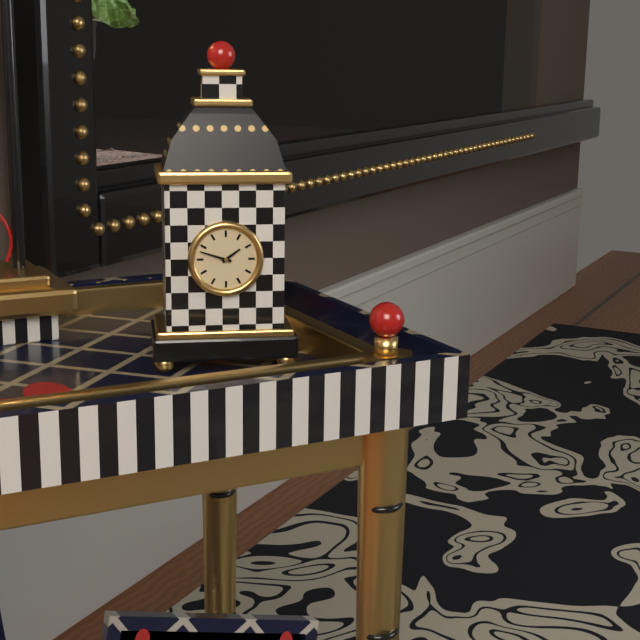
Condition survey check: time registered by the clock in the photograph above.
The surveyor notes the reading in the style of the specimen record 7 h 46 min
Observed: 1 h 48 min
